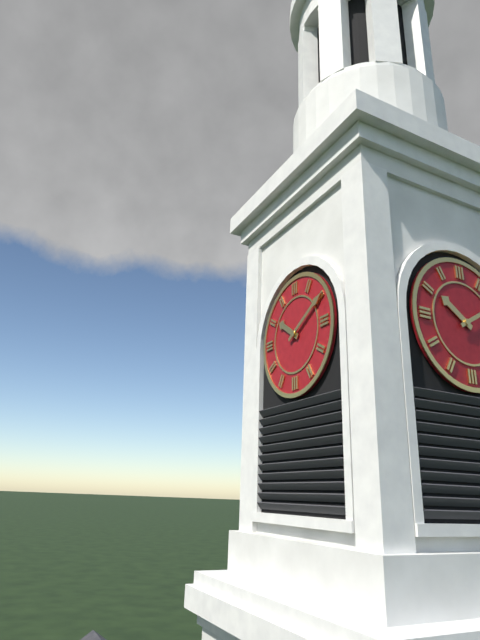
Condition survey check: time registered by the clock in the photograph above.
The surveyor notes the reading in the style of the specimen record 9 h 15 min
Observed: 10 h 10 min
